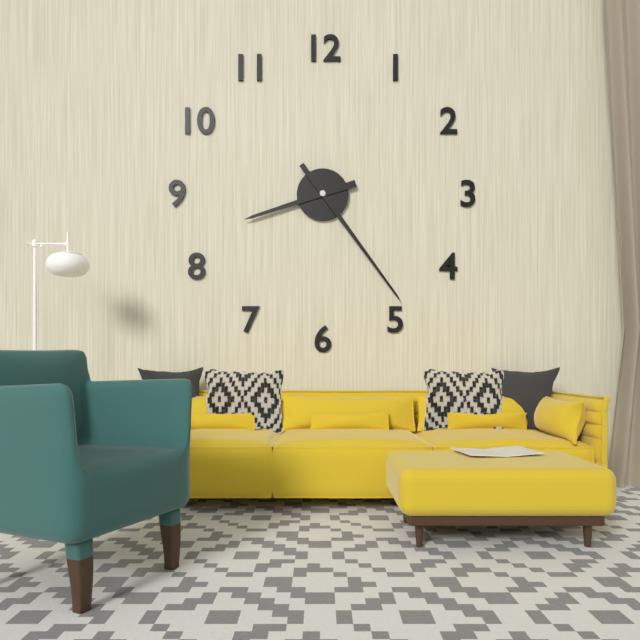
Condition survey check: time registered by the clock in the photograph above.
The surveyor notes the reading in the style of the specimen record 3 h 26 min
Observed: 8 h 24 min
